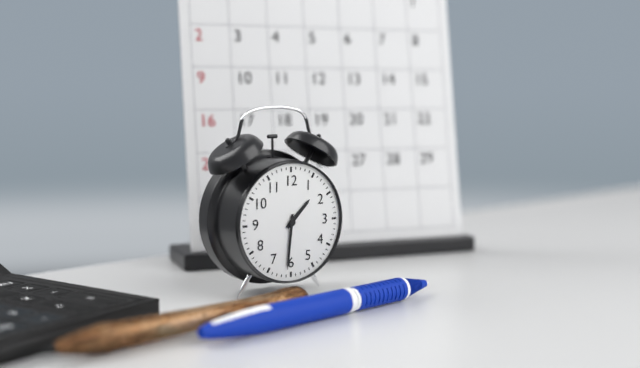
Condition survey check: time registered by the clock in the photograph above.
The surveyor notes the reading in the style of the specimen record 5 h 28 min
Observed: 1 h 31 min
